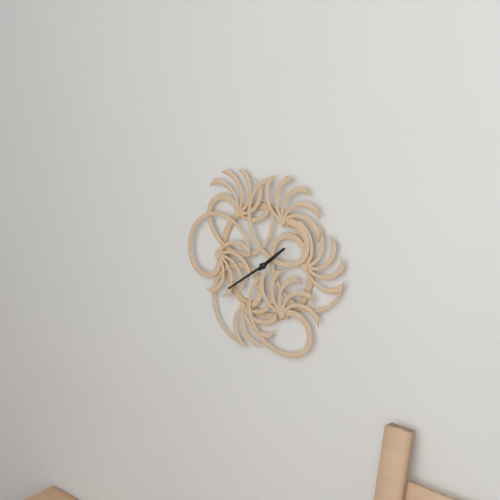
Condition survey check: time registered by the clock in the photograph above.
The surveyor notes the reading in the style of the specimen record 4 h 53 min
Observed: 1 h 39 min
